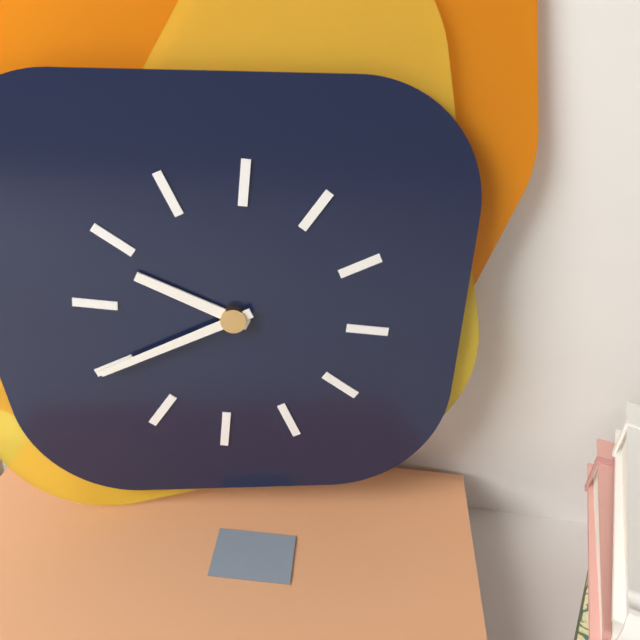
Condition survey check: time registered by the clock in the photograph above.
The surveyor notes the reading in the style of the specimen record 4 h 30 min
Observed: 9 h 40 min
